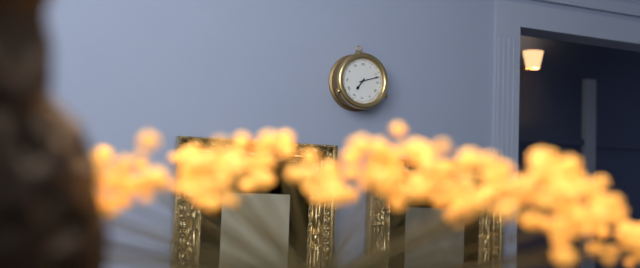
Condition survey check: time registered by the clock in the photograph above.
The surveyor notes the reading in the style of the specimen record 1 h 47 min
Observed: 7 h 12 min
